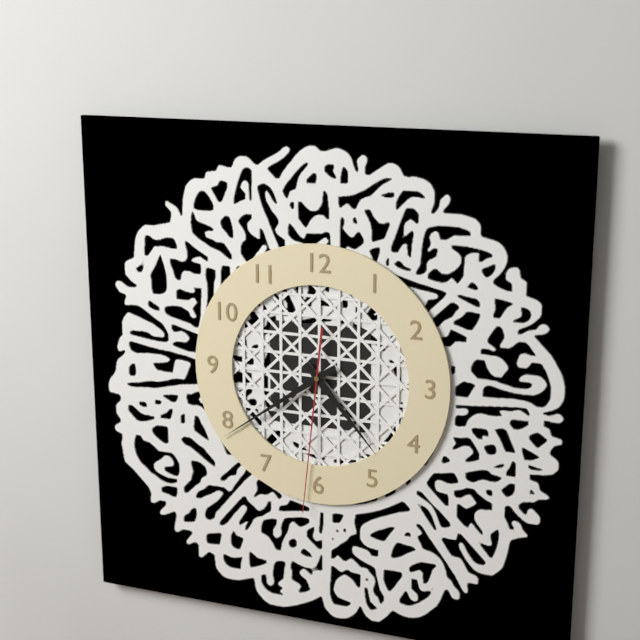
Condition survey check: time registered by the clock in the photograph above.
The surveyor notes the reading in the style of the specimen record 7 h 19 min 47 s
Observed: 4 h 39 min 31 s
